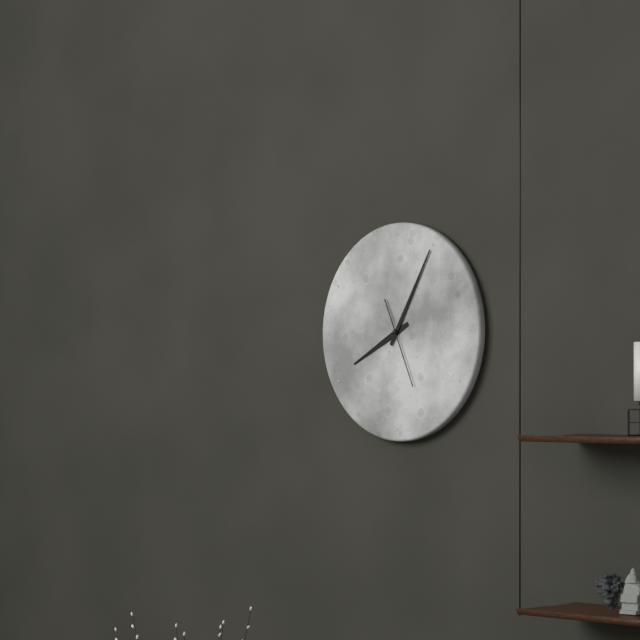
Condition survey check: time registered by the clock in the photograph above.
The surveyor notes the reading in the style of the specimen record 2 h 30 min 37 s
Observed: 8 h 05 min 26 s
